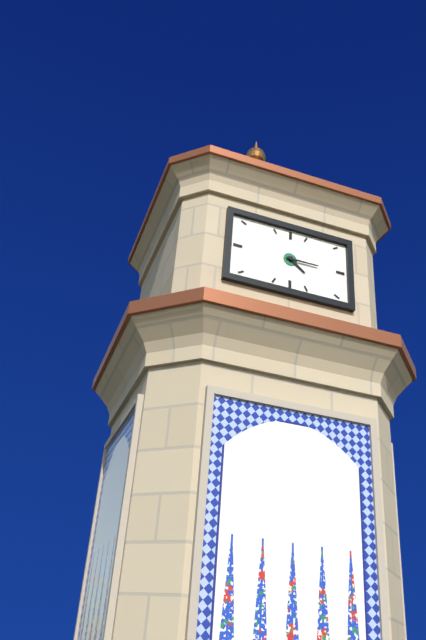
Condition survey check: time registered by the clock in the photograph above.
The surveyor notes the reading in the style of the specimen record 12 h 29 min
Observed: 4 h 15 min
